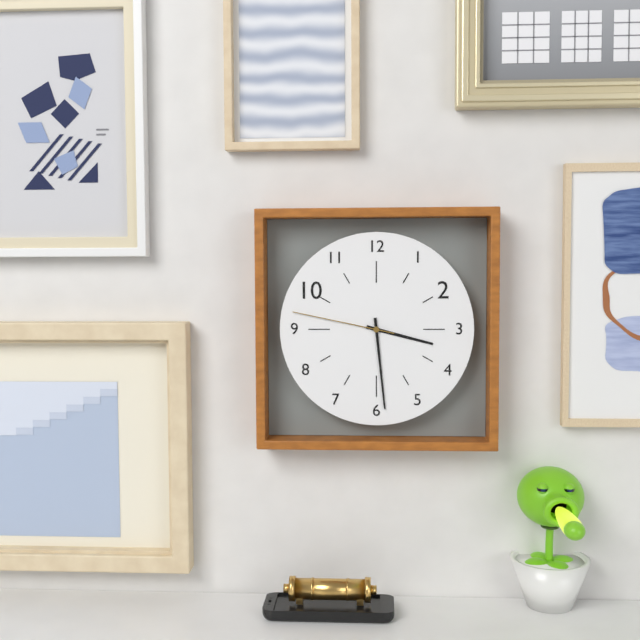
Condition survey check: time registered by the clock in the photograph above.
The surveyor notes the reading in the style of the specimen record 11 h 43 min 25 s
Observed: 3 h 29 min 47 s
